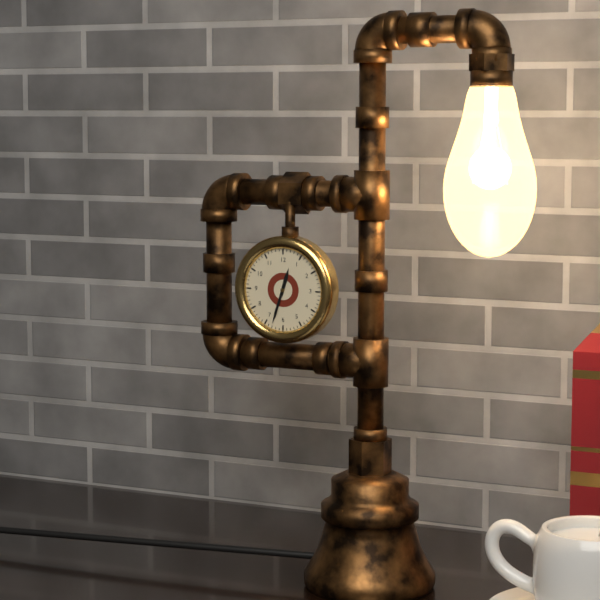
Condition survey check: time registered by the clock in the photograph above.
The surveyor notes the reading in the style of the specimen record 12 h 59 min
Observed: 12 h 33 min
